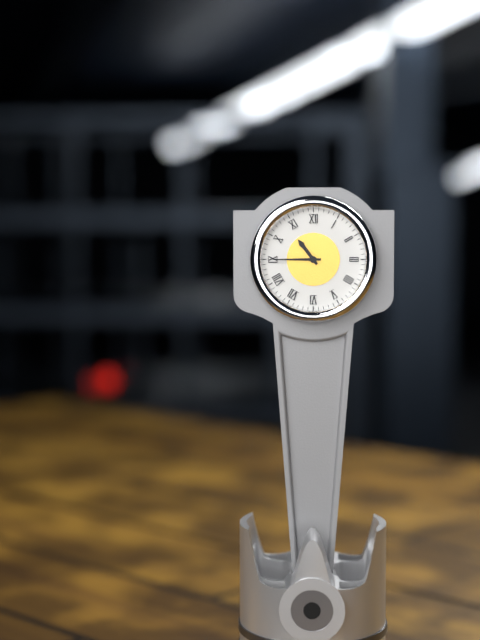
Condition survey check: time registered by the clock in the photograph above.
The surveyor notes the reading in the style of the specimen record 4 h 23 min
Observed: 10 h 45 min
